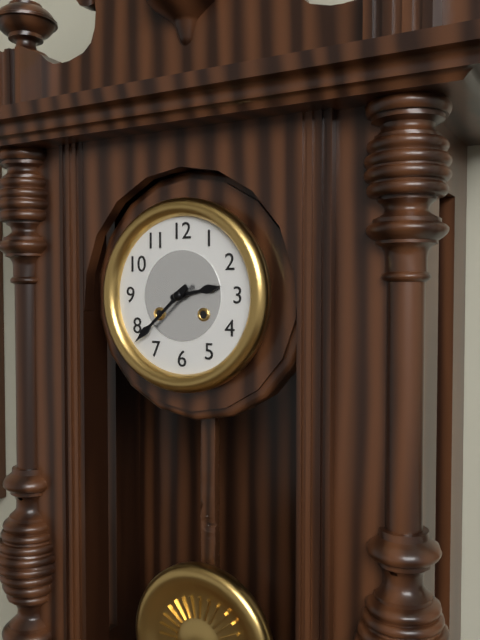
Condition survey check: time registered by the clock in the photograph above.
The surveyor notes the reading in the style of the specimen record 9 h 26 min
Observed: 2 h 38 min
